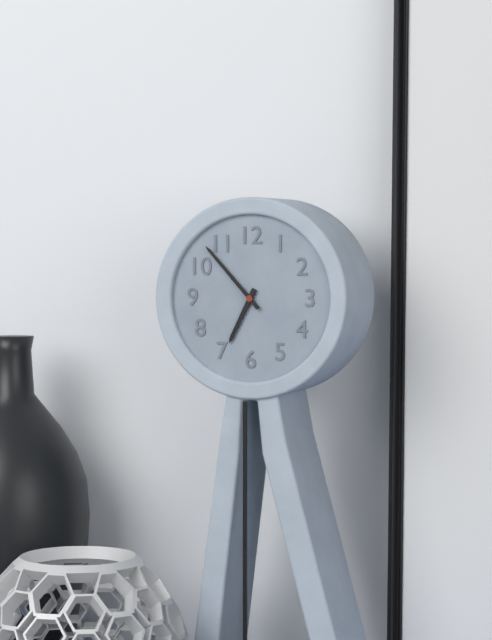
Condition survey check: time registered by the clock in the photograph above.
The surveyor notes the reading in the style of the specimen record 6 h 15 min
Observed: 6 h 53 min
